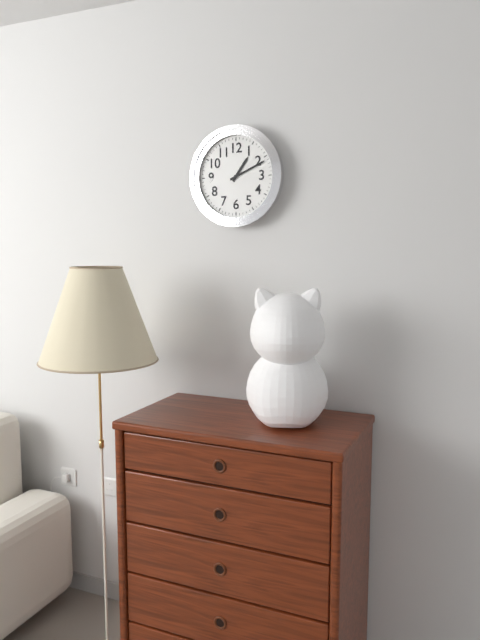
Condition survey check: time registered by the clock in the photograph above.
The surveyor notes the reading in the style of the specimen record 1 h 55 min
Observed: 1 h 11 min
